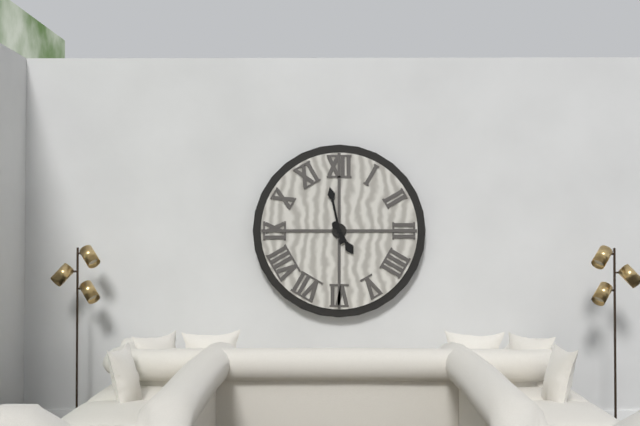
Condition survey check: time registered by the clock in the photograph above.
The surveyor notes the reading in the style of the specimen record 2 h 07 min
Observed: 4 h 58 min
